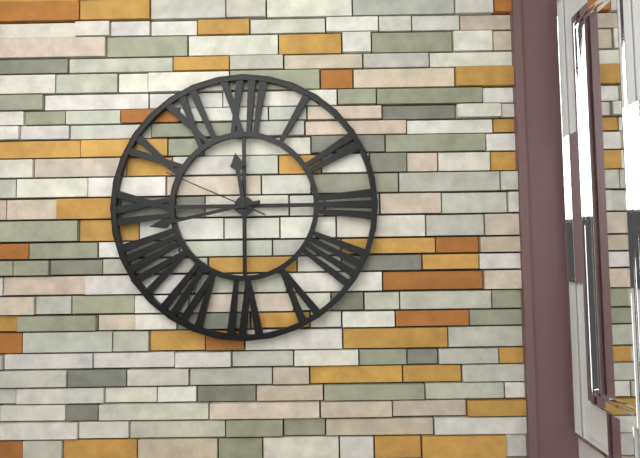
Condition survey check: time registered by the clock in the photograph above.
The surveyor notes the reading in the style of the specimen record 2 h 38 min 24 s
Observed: 11 h 43 min 49 s
